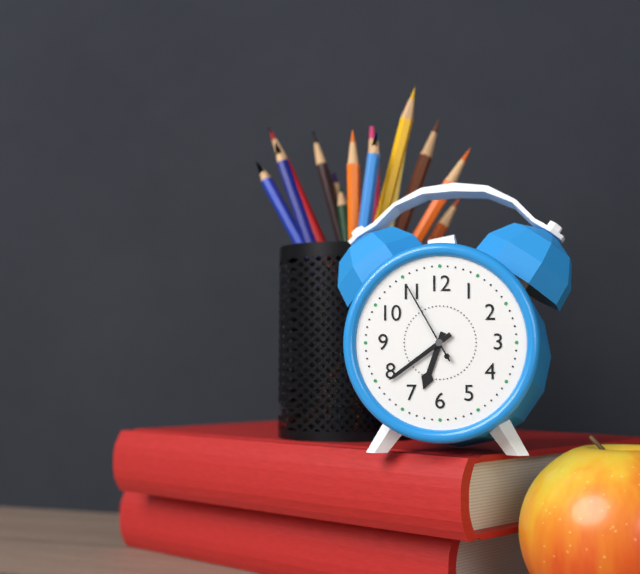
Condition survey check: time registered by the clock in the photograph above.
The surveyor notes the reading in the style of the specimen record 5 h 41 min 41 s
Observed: 6 h 39 min 55 s
